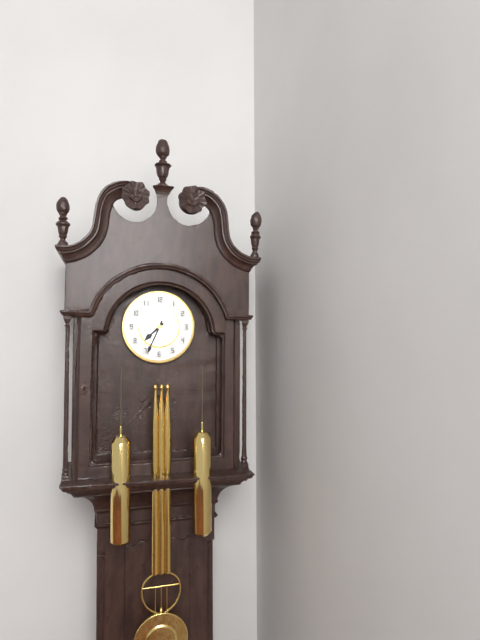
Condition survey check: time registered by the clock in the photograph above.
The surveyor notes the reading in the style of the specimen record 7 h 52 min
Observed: 7 h 34 min
